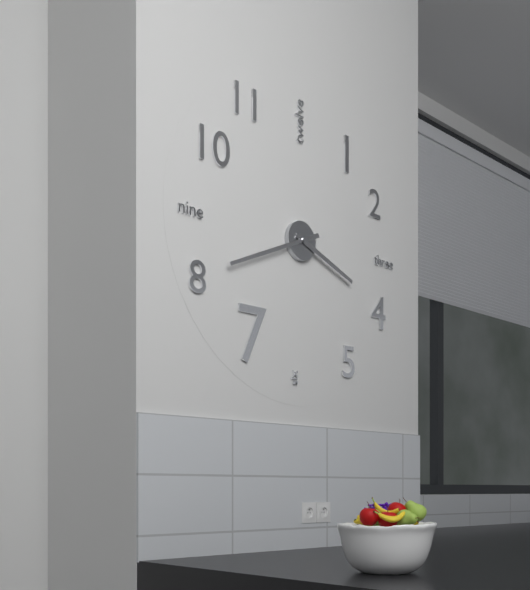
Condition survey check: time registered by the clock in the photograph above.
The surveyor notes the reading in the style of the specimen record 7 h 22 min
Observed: 3 h 41 min
